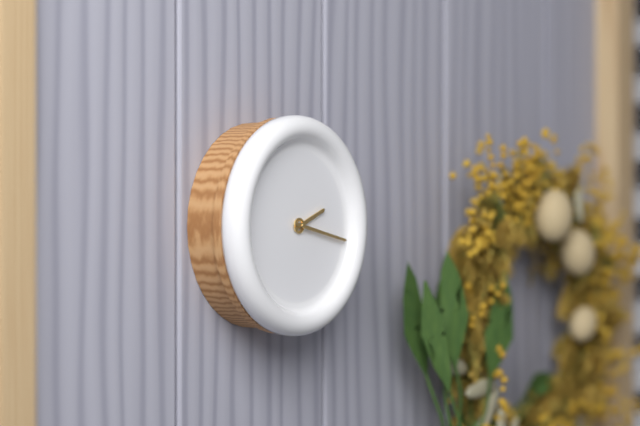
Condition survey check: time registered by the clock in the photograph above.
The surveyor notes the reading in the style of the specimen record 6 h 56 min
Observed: 2 h 17 min
